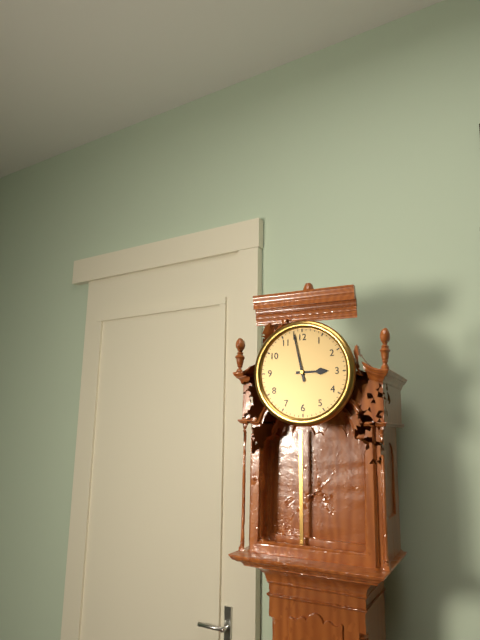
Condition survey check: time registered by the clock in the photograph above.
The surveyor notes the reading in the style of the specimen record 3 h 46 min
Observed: 2 h 58 min
